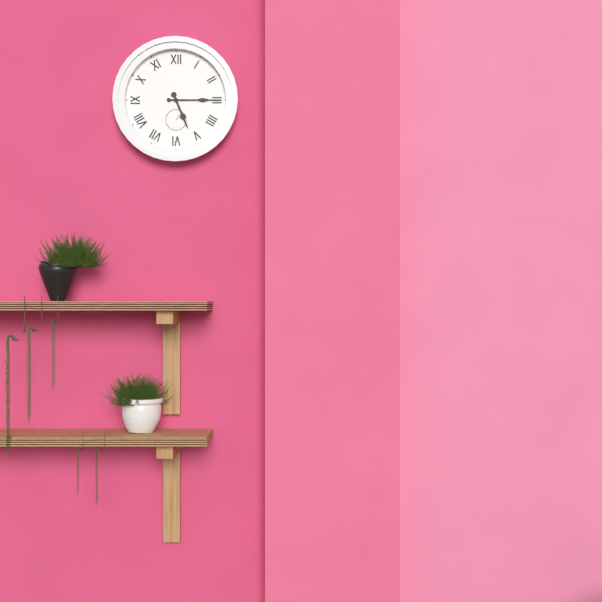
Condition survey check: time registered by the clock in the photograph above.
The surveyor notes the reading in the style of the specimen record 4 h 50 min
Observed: 5 h 15 min
